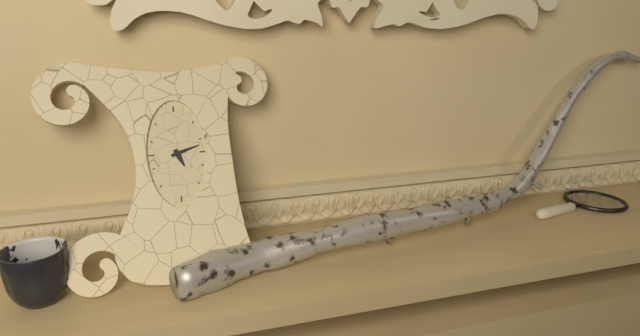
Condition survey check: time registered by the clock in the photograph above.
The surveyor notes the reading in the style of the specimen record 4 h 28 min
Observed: 5 h 12 min
